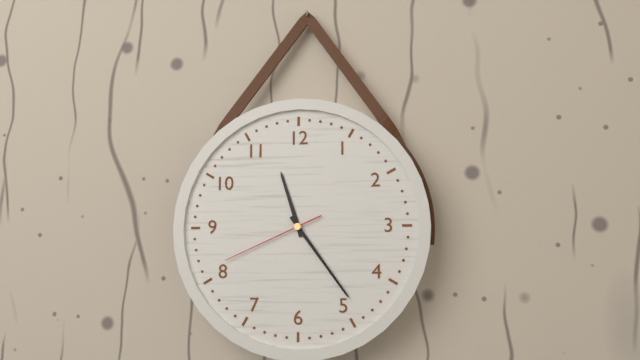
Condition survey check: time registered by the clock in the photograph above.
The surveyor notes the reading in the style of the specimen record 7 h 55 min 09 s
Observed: 11 h 24 min 41 s
